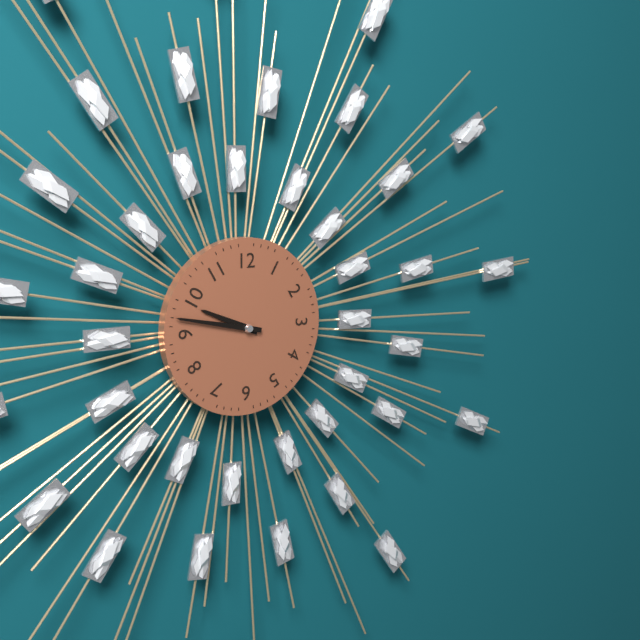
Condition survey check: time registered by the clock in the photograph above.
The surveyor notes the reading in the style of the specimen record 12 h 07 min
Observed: 9 h 47 min
